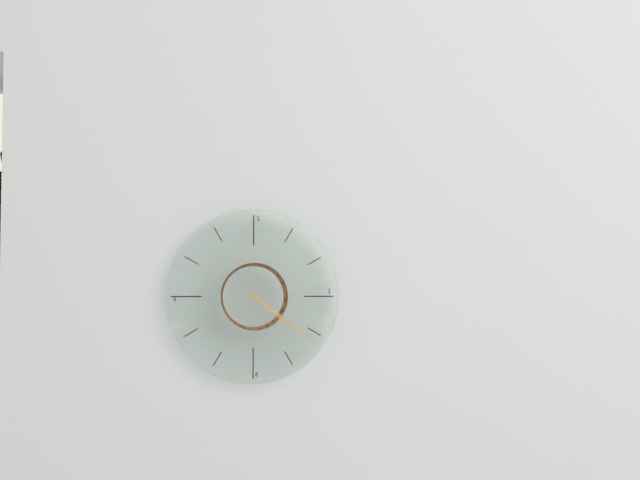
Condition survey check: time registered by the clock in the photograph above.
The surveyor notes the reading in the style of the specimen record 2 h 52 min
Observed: 4 h 21 min
